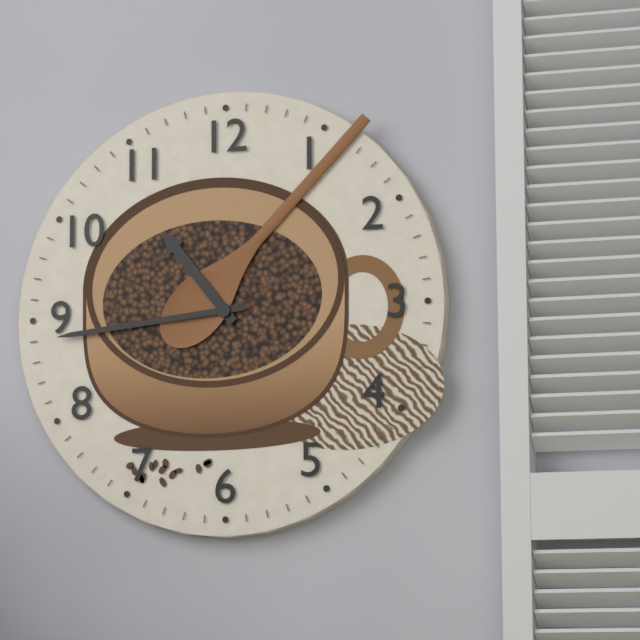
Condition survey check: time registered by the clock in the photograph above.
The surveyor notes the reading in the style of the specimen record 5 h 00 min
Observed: 10 h 44 min
